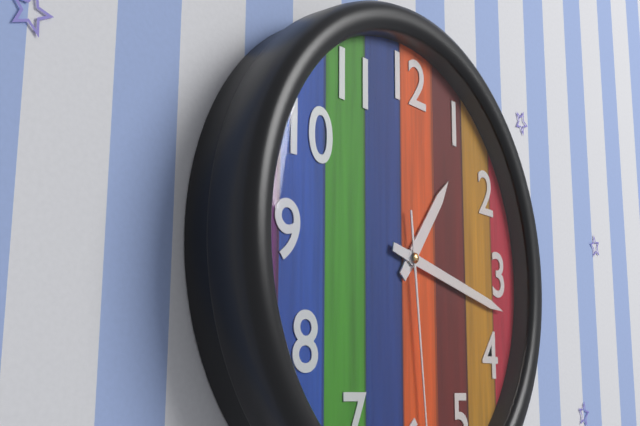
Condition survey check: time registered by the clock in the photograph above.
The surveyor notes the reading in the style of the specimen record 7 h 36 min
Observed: 1 h 17 min
